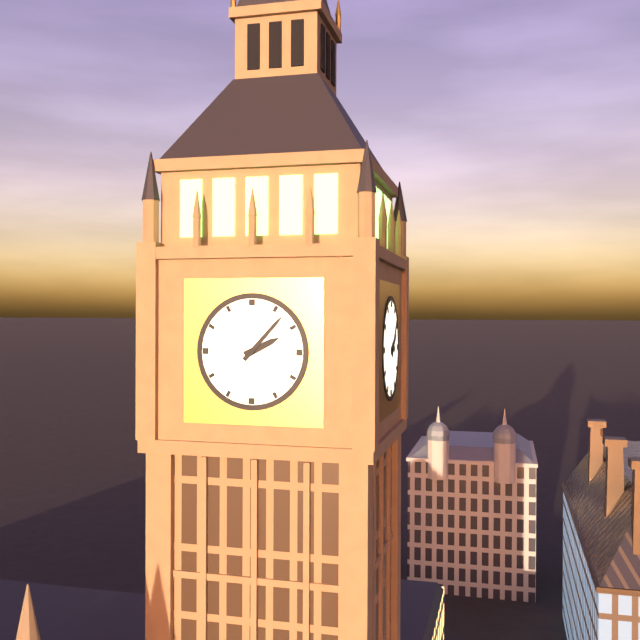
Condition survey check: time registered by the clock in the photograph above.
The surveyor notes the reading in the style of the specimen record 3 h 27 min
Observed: 2 h 07 min
